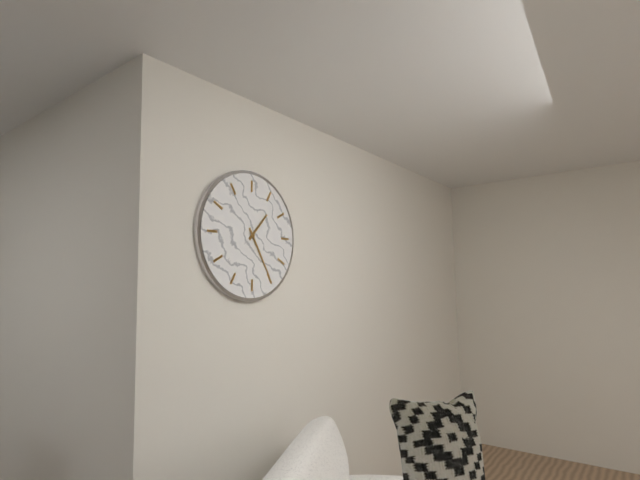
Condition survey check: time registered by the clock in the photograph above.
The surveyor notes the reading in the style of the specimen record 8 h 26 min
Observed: 1 h 25 min
